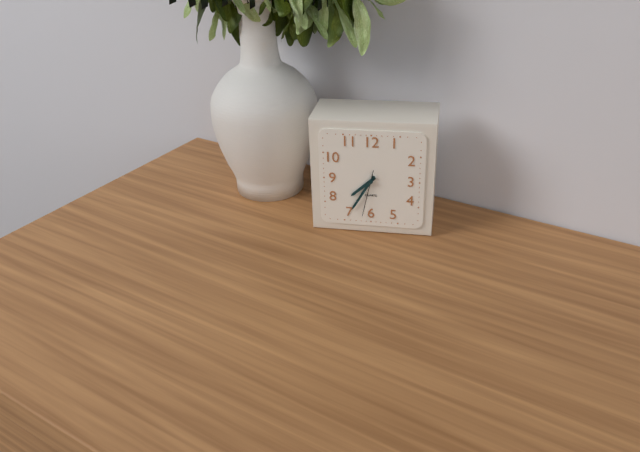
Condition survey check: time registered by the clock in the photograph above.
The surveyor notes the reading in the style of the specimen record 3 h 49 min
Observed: 7 h 35 min
